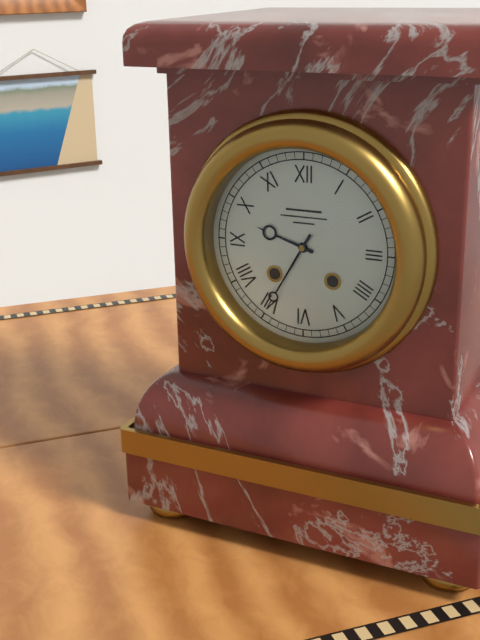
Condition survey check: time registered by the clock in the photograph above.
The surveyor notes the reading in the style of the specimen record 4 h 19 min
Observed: 9 h 35 min
